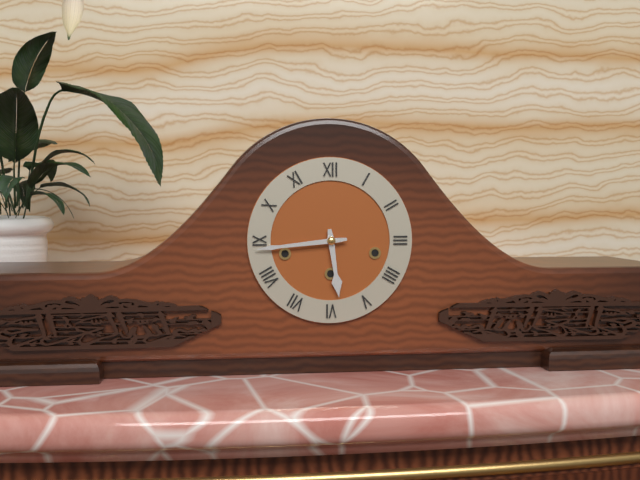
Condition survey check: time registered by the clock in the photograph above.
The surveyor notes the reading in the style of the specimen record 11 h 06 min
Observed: 5 h 44 min
